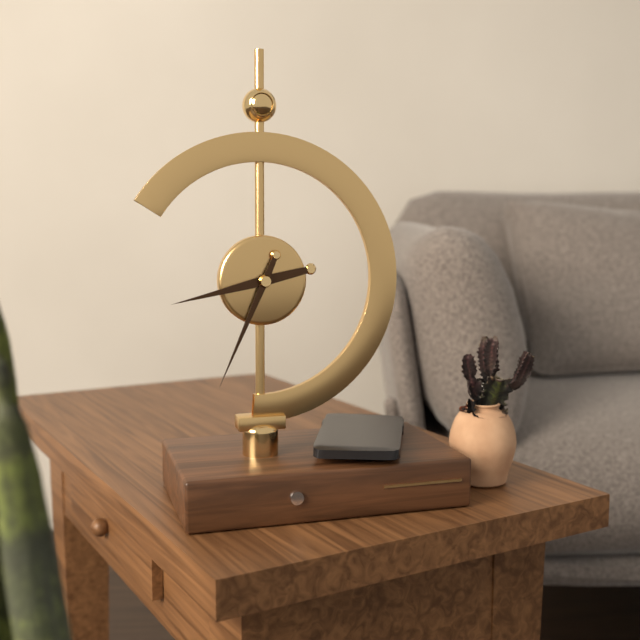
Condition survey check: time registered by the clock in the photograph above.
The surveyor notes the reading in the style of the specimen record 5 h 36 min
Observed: 8 h 34 min
